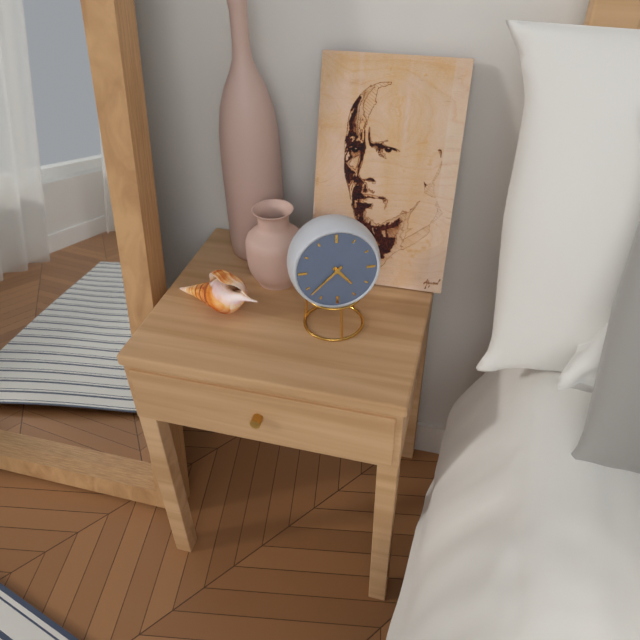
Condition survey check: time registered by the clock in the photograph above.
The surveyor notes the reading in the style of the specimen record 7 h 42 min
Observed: 4 h 38 min
